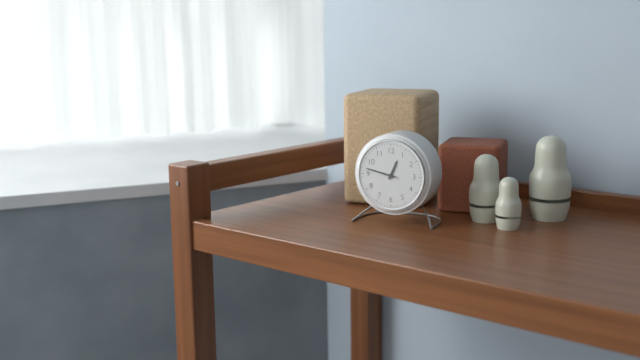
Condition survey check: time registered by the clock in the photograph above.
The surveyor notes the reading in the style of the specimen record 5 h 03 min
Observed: 12 h 47 min
